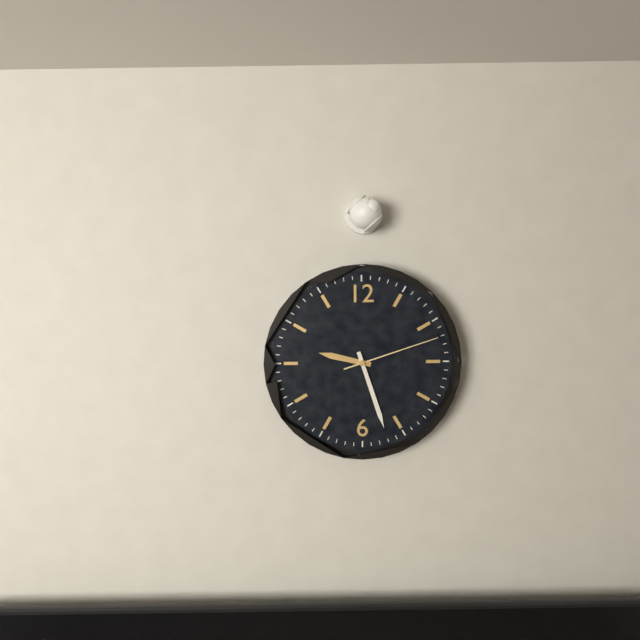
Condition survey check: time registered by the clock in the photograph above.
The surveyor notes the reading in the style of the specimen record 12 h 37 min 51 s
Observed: 9 h 27 min 12 s
